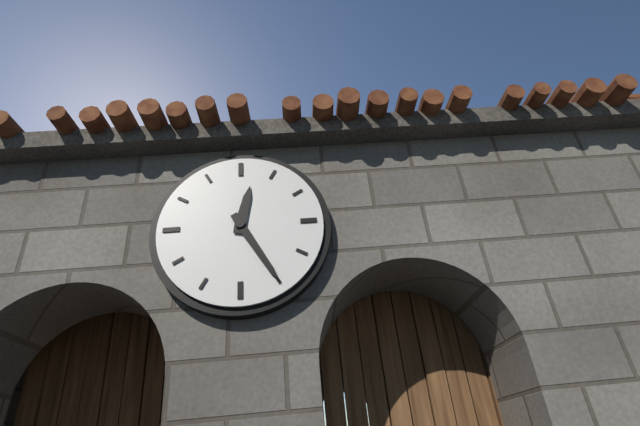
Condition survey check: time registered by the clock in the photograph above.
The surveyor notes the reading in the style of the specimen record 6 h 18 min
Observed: 12 h 25 min
